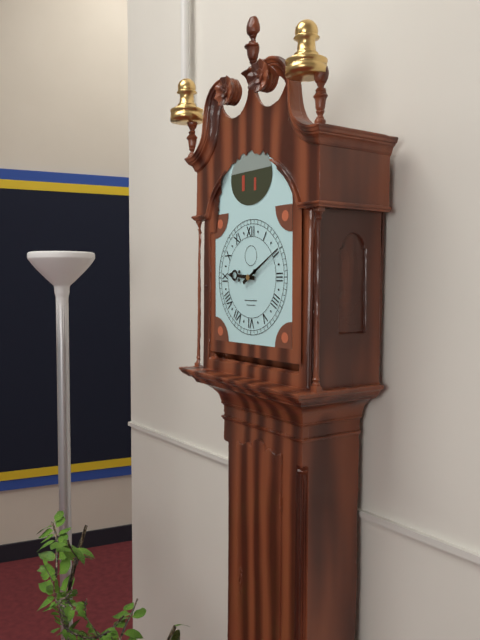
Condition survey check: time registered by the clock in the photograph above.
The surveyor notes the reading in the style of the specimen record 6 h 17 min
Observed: 9 h 10 min
